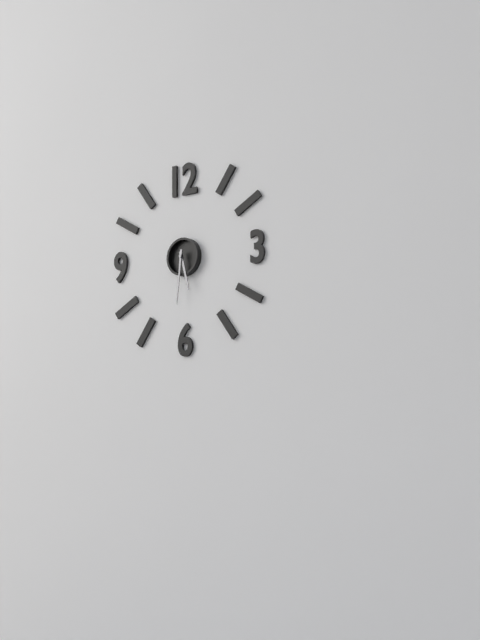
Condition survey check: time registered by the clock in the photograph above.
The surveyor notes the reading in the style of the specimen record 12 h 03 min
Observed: 5 h 31 min
